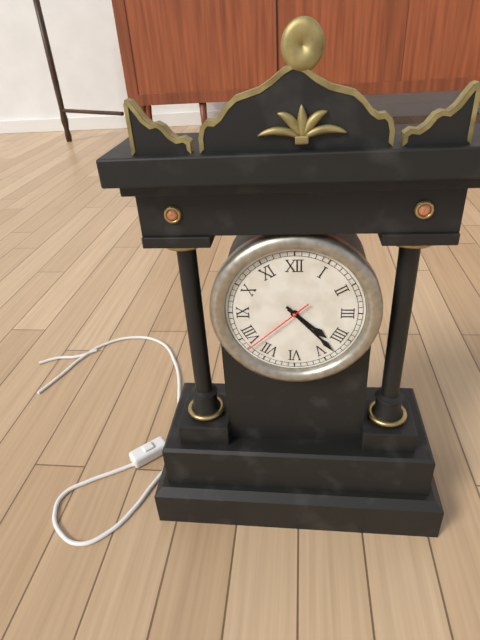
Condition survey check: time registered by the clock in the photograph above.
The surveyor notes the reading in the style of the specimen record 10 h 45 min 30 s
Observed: 4 h 23 min 38 s
